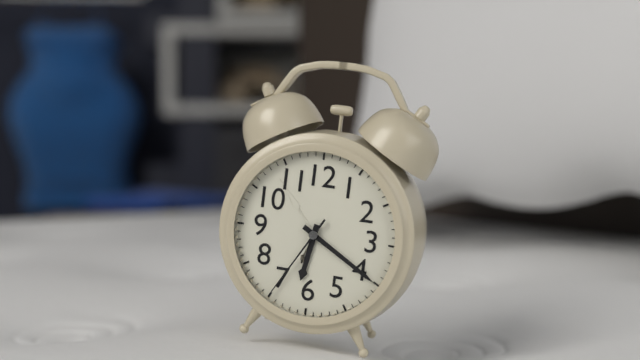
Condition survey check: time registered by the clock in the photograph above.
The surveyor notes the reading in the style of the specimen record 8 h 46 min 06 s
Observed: 6 h 20 min 35 s
